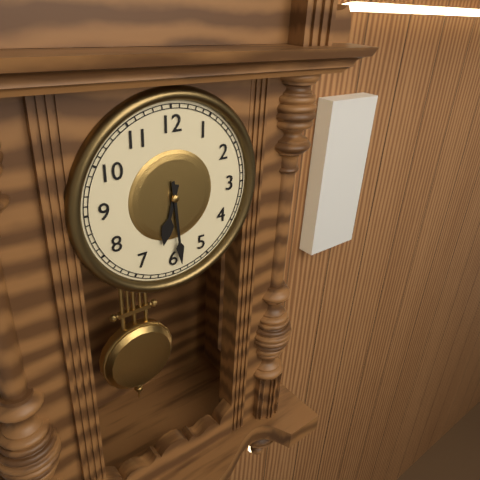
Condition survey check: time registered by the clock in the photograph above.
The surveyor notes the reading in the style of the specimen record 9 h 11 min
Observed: 6 h 29 min
